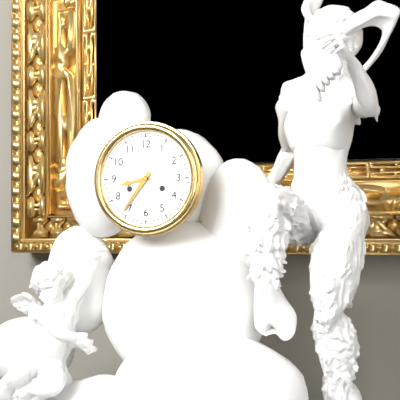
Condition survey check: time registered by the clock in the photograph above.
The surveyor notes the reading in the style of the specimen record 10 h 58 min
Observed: 8 h 36 min
